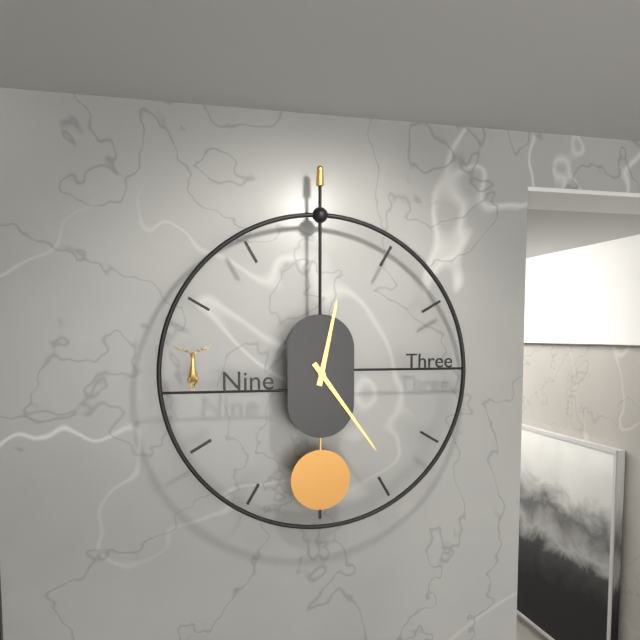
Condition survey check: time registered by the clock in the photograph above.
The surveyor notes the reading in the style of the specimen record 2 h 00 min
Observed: 12 h 24 min
